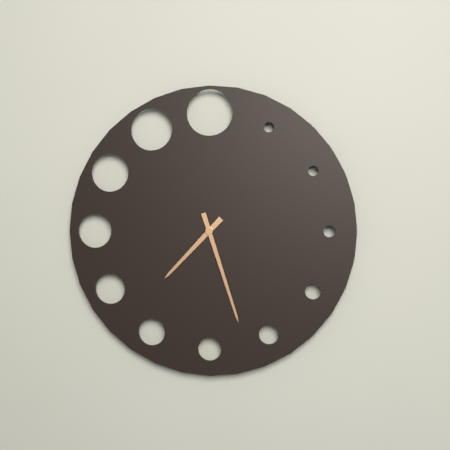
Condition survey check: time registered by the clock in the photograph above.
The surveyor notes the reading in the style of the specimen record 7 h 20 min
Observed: 7 h 27 min
